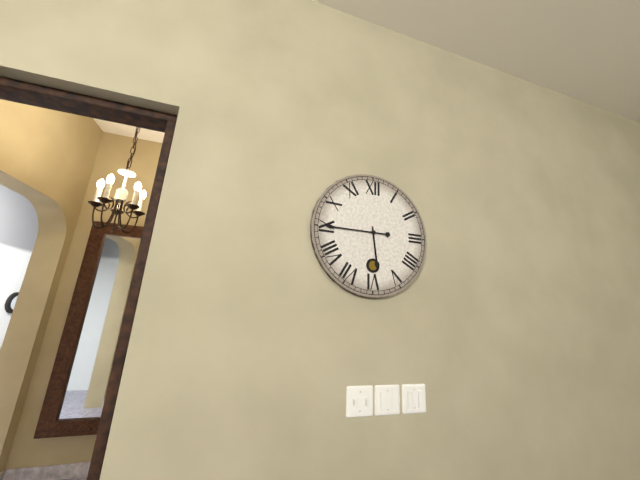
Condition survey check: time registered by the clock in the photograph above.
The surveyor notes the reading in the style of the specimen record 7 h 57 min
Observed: 5 h 45 min
